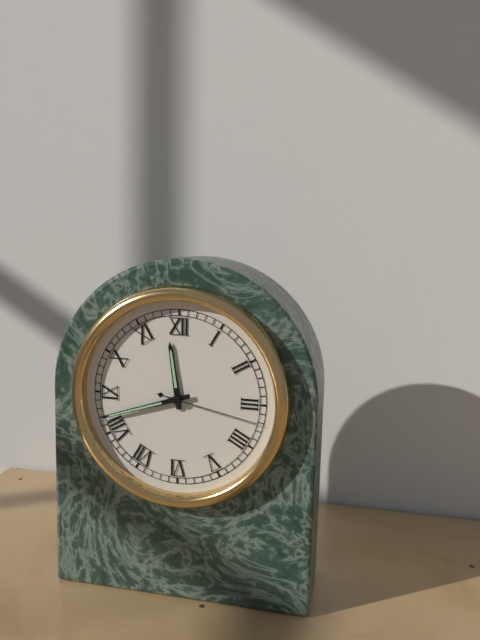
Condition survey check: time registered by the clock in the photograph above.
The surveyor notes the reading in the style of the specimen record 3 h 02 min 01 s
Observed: 11 h 42 min 17 s
